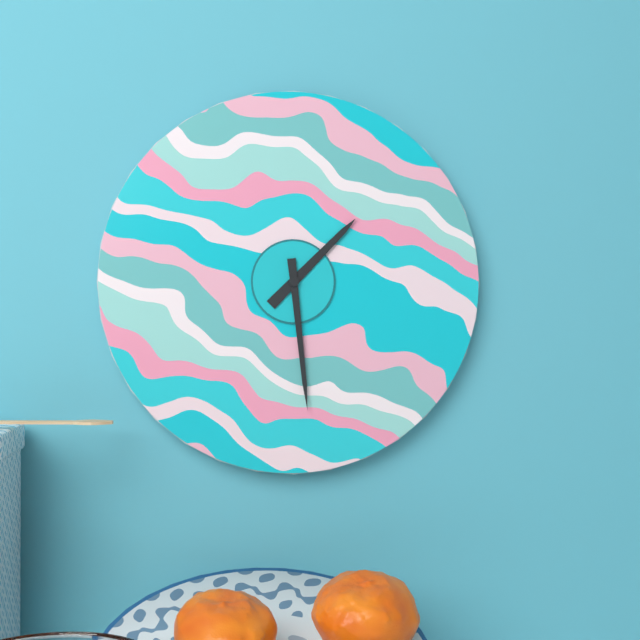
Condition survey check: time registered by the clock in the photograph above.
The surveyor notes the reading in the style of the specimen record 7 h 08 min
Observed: 1 h 29 min
